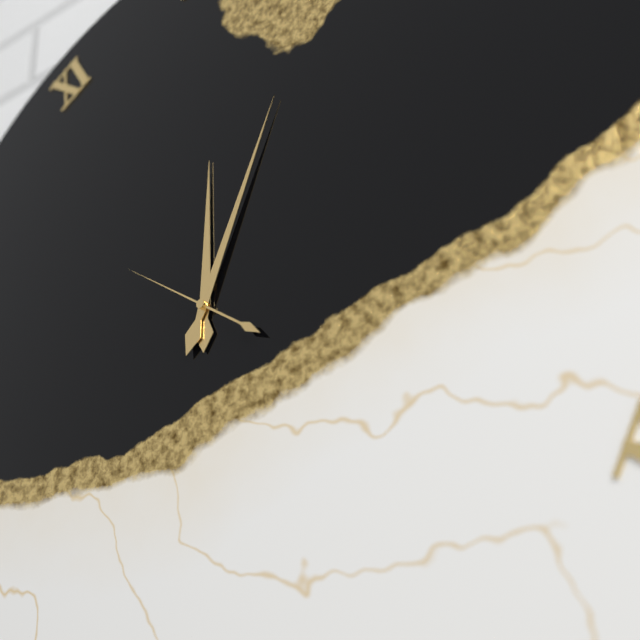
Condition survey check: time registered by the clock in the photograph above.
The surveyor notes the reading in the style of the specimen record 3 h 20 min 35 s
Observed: 12 h 04 min 51 s
